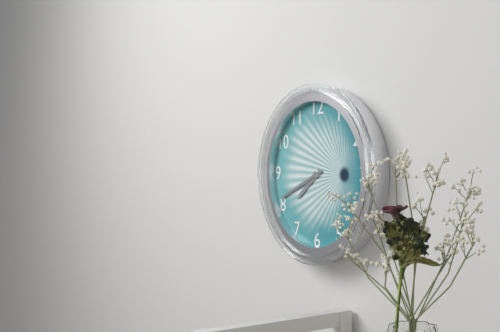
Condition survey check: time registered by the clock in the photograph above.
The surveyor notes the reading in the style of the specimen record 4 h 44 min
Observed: 7 h 41 min
